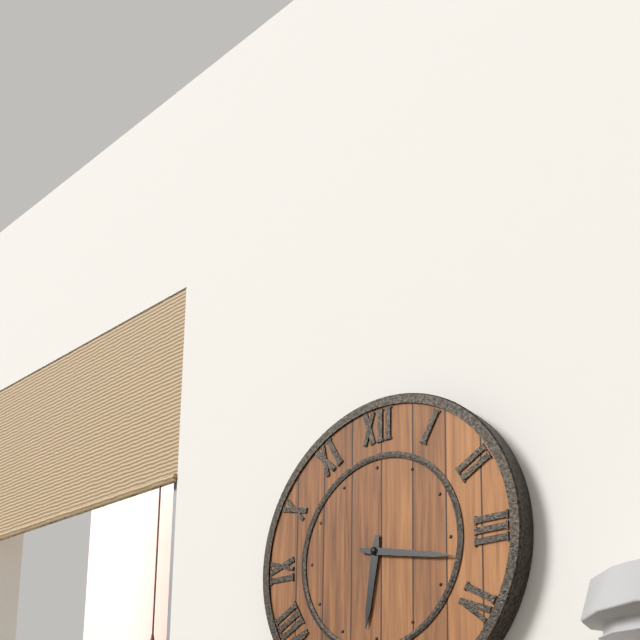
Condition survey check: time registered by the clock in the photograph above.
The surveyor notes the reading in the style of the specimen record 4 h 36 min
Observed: 6 h 17 min
